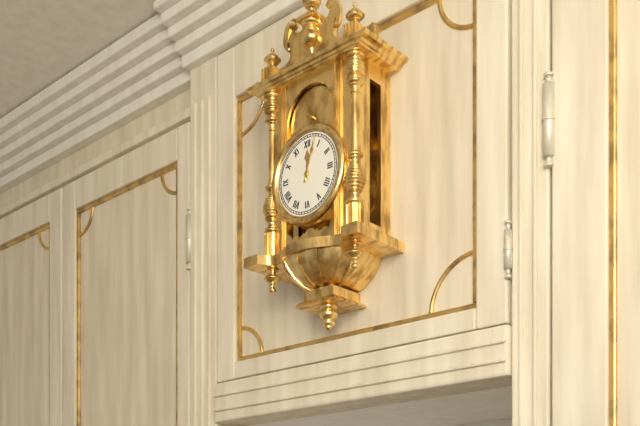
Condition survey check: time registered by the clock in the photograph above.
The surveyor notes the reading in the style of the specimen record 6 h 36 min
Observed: 12 h 03 min
